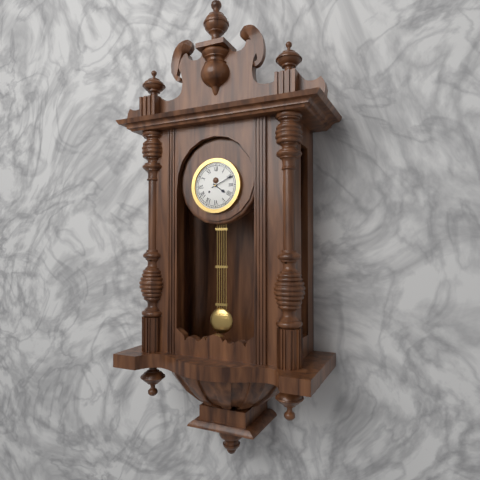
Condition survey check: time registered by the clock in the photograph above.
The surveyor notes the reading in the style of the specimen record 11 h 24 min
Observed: 4 h 11 min
